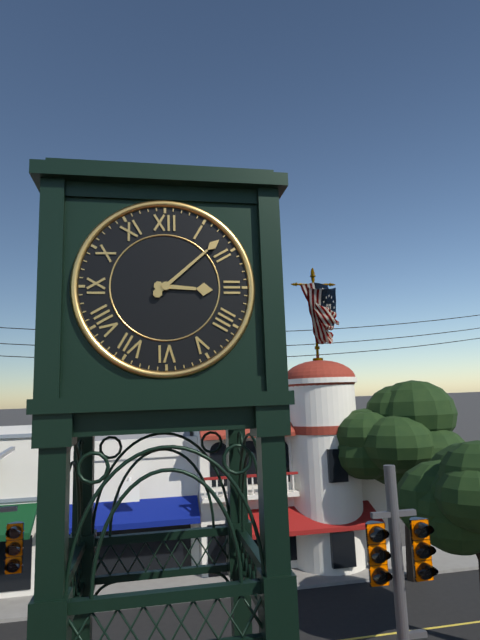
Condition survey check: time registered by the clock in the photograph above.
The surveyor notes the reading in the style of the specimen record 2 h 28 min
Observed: 3 h 08 min
